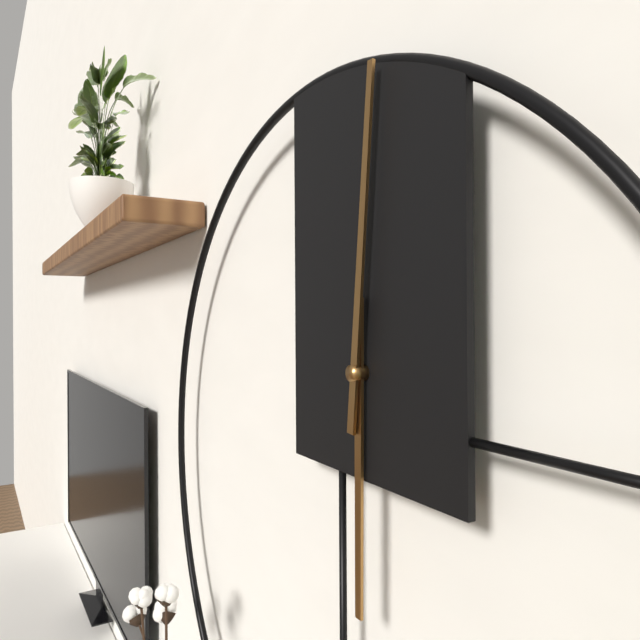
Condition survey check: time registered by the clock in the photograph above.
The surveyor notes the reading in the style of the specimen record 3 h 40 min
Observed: 6 h 01 min
